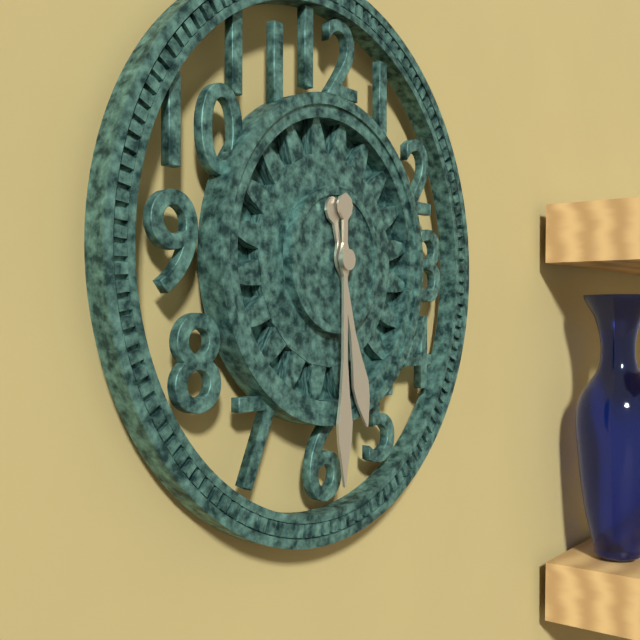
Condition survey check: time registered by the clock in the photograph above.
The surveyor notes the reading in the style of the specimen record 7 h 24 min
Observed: 5 h 30 min
